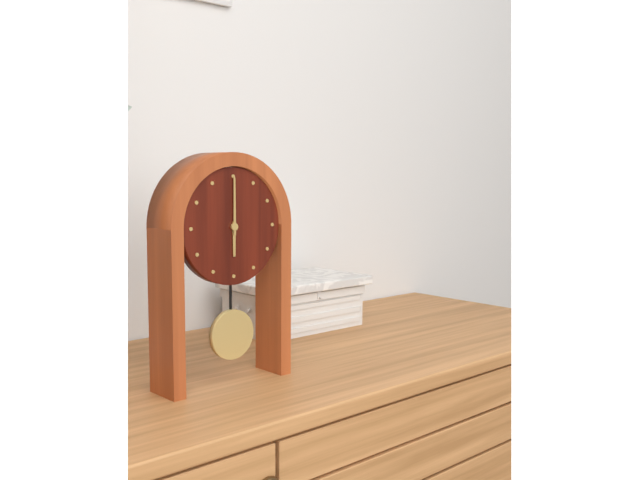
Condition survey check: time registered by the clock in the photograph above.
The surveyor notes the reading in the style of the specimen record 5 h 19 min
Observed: 6 h 00 min
